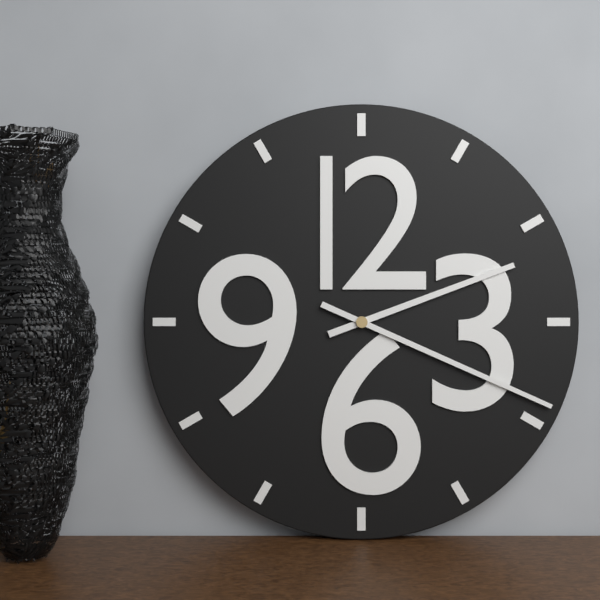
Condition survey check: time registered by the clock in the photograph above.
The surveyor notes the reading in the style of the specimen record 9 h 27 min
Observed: 2 h 19 min
